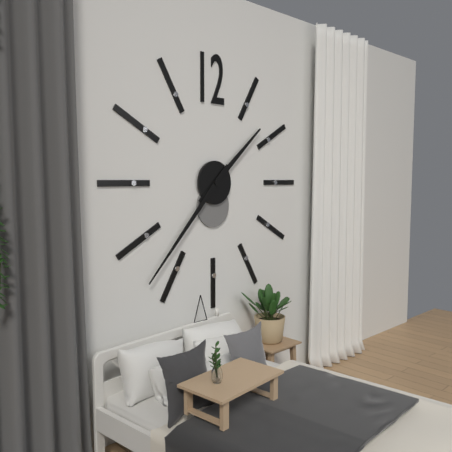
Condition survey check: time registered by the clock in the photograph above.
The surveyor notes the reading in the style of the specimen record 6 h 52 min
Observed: 1 h 37 min
